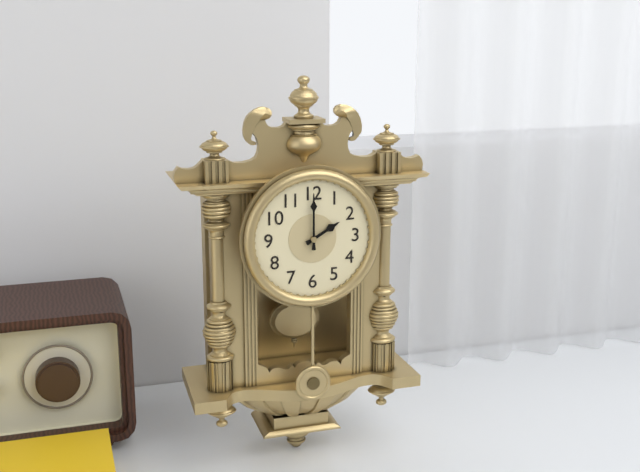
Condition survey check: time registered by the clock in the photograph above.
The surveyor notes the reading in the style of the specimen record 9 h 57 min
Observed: 2 h 00 min
